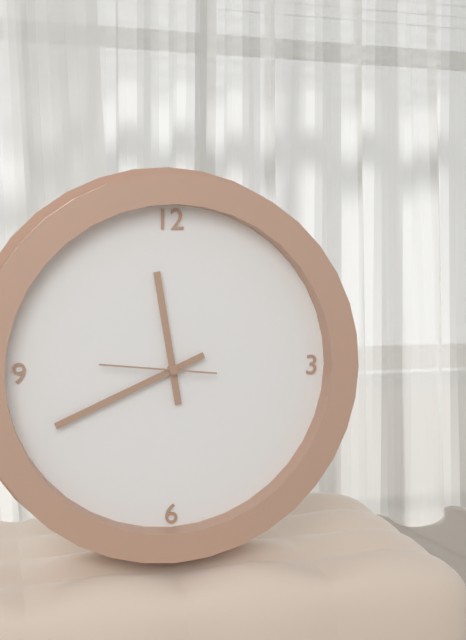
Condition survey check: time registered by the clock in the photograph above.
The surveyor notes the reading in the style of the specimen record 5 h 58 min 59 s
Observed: 11 h 41 min 46 s
